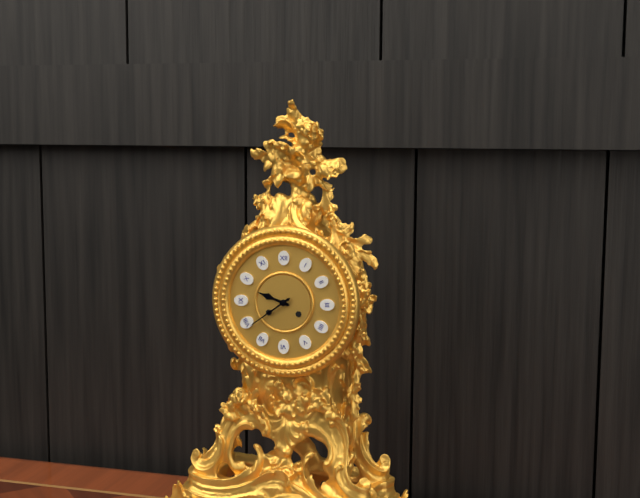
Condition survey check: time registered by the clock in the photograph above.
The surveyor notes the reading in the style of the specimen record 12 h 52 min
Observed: 9 h 39 min
